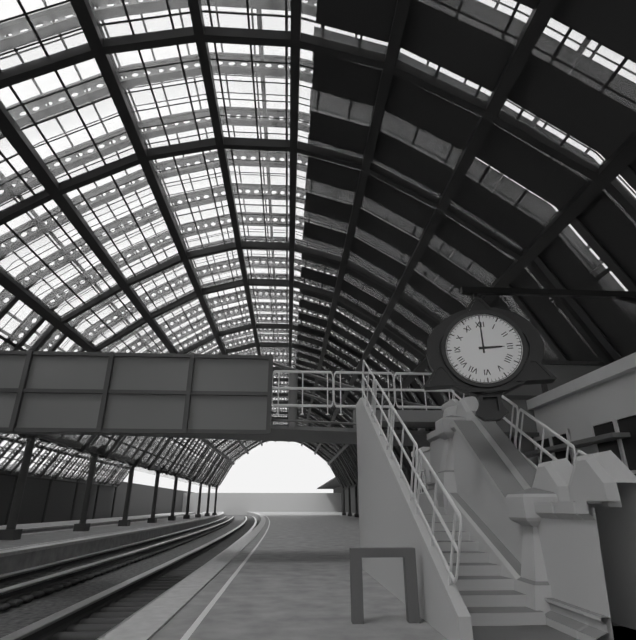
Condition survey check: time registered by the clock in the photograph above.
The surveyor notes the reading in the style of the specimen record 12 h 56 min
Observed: 3 h 00 min
